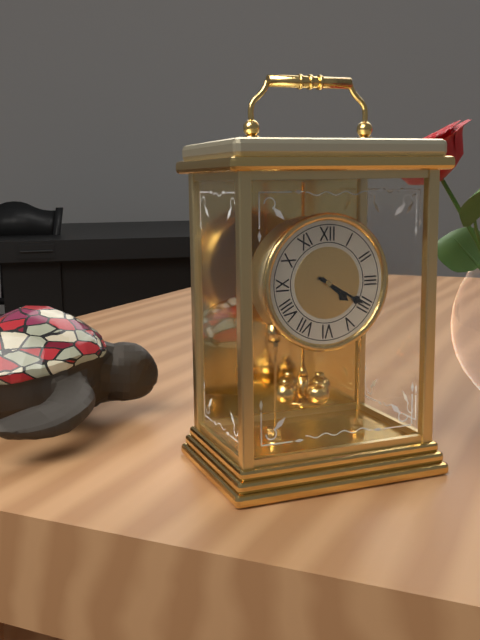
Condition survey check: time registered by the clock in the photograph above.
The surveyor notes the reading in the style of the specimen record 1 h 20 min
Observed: 4 h 20 min
